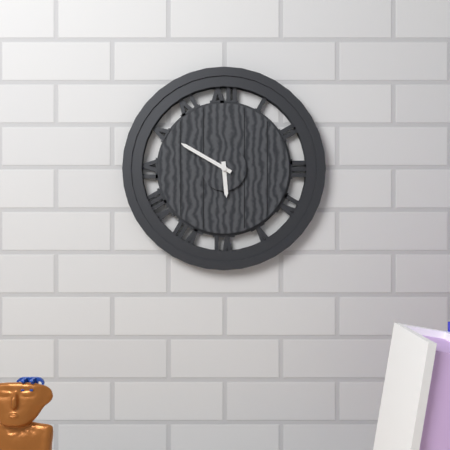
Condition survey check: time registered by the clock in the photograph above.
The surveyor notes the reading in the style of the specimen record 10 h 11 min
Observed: 5 h 50 min
